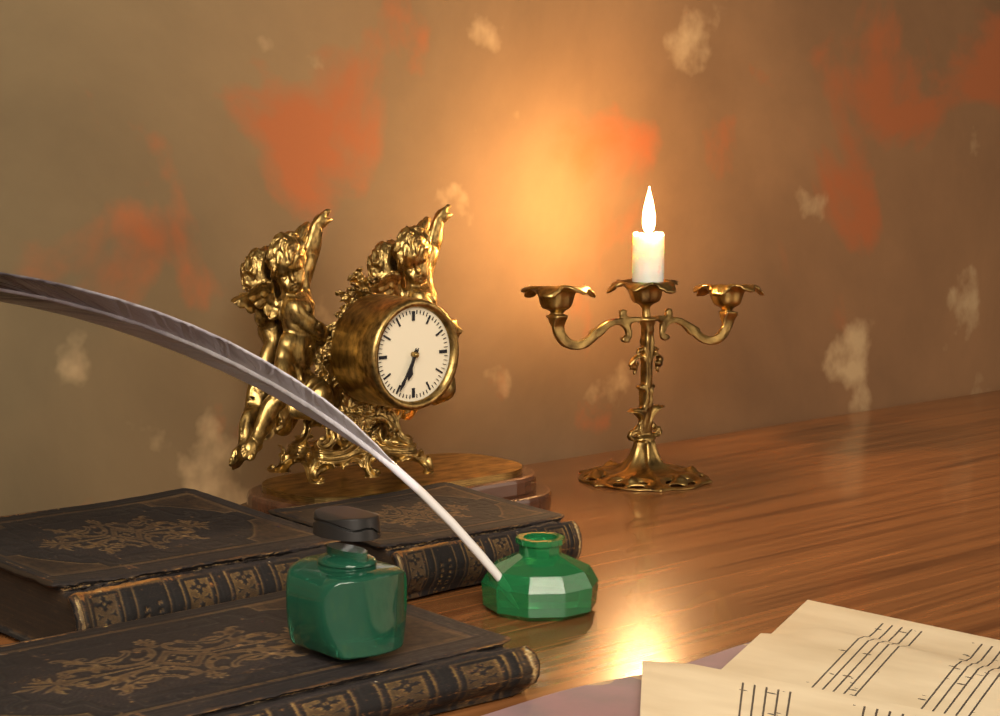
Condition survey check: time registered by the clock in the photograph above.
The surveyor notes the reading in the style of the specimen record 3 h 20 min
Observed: 6 h 35 min
